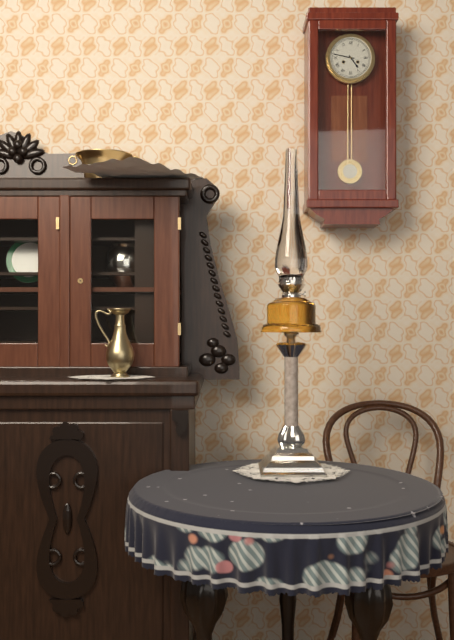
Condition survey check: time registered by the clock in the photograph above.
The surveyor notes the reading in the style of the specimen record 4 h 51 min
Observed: 4 h 47 min
